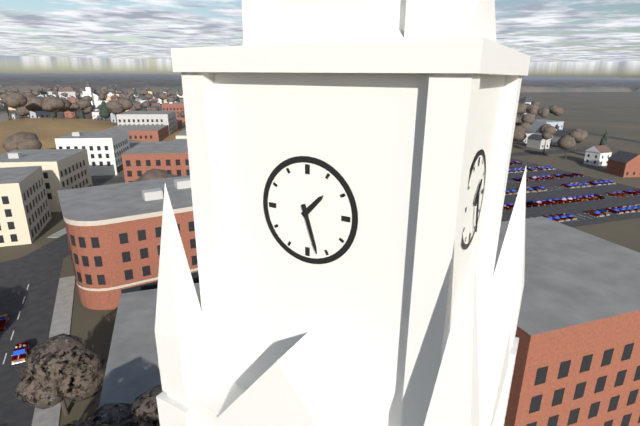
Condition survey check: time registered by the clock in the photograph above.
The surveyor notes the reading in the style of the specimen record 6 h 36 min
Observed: 1 h 27 min
